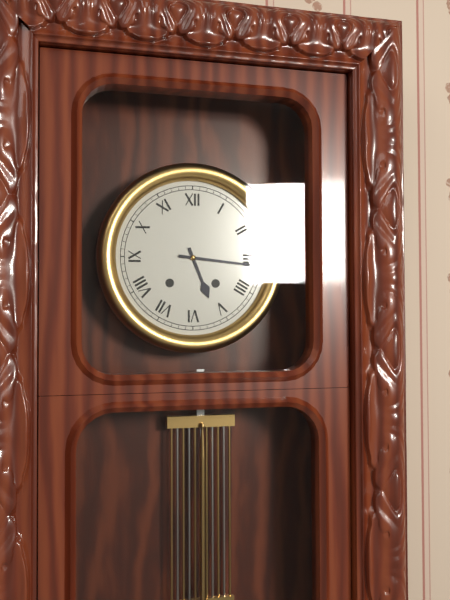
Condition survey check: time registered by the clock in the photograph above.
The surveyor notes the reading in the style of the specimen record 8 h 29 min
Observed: 5 h 16 min
